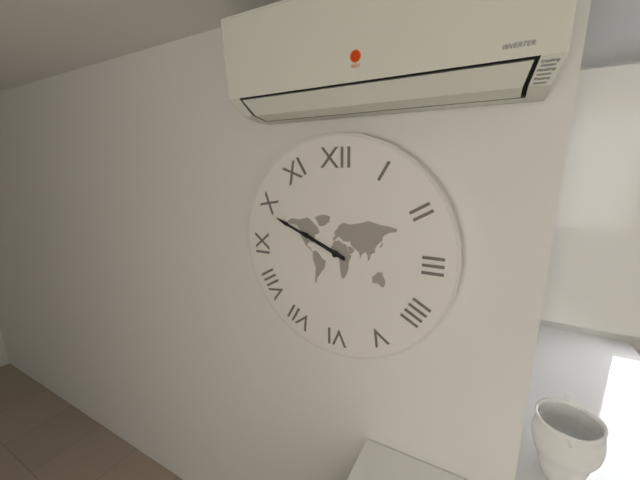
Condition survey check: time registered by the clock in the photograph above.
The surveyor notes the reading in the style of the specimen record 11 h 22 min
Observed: 9 h 49 min
